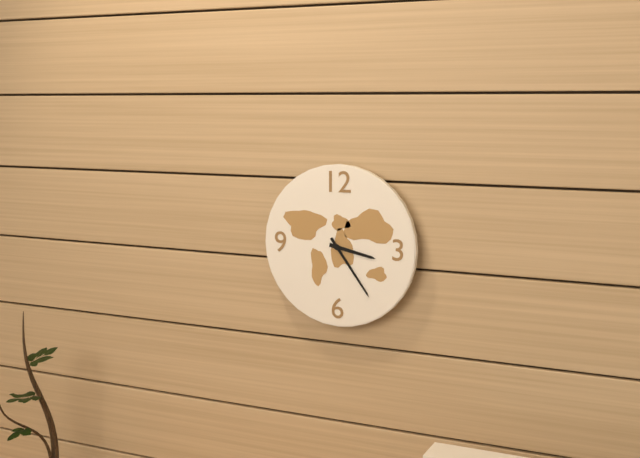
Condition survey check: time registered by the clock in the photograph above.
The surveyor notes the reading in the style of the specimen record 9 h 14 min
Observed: 3 h 24 min
